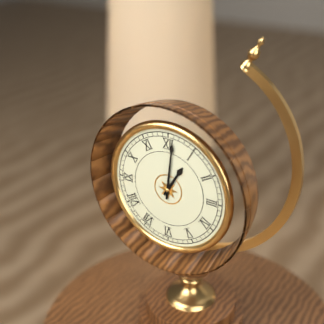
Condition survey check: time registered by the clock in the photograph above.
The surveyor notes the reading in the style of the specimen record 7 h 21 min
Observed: 1 h 01 min
